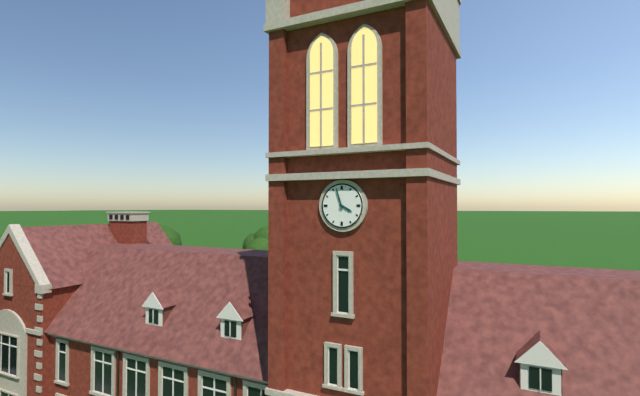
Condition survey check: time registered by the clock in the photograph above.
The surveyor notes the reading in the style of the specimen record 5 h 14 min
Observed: 3 h 57 min
